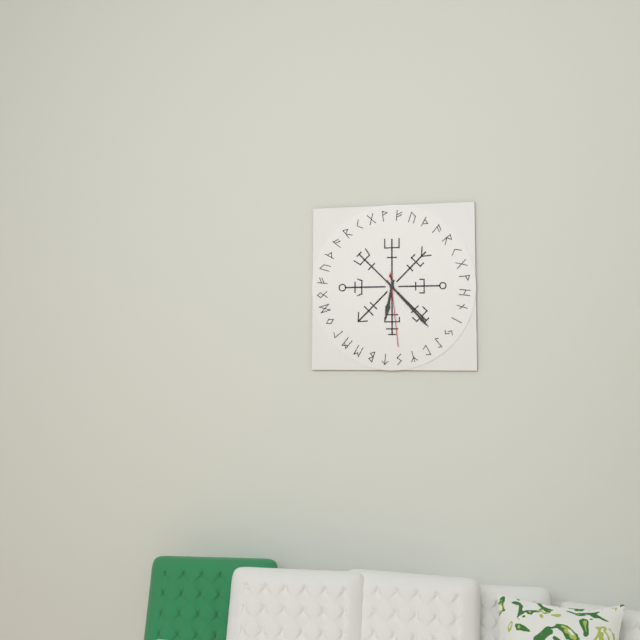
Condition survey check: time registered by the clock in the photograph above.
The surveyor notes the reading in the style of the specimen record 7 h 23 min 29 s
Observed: 6 h 23 min 29 s
